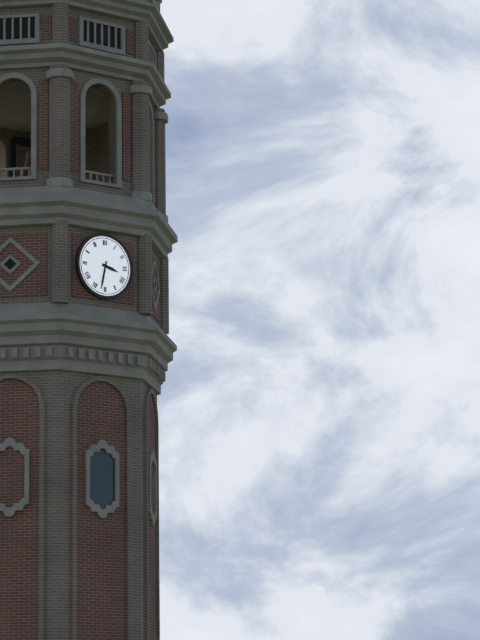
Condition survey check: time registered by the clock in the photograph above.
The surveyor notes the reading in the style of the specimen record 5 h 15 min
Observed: 3 h 32 min
